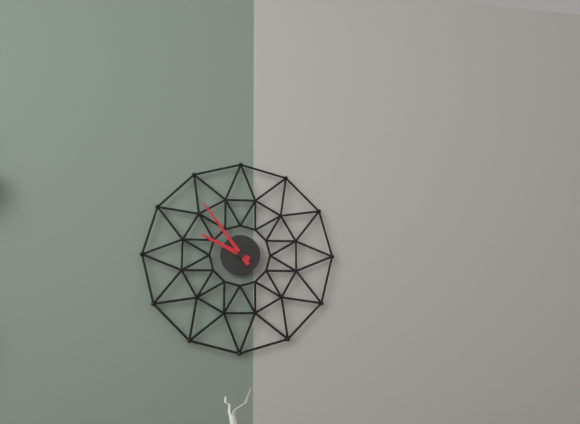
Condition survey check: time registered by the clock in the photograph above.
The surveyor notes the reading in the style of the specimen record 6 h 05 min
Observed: 9 h 54 min
